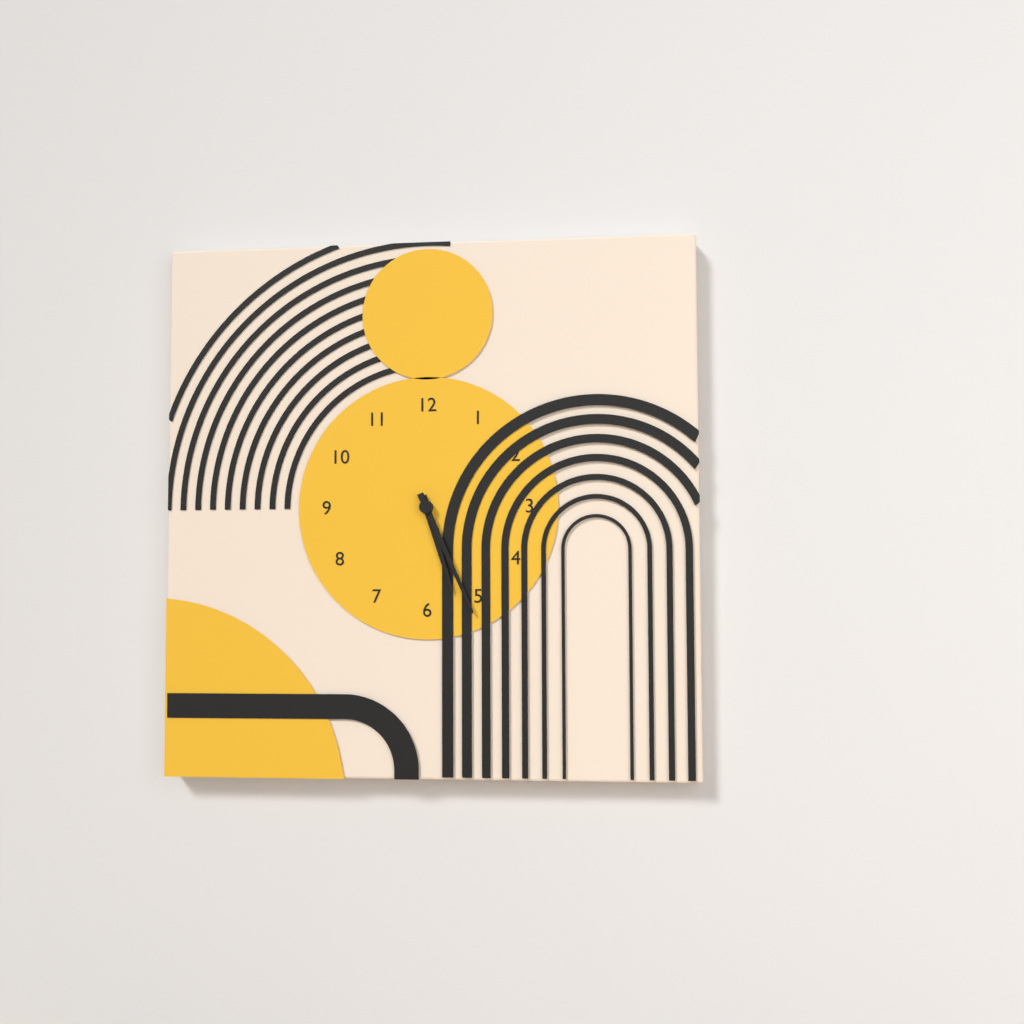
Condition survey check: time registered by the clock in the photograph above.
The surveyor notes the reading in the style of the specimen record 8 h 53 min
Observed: 5 h 26 min
